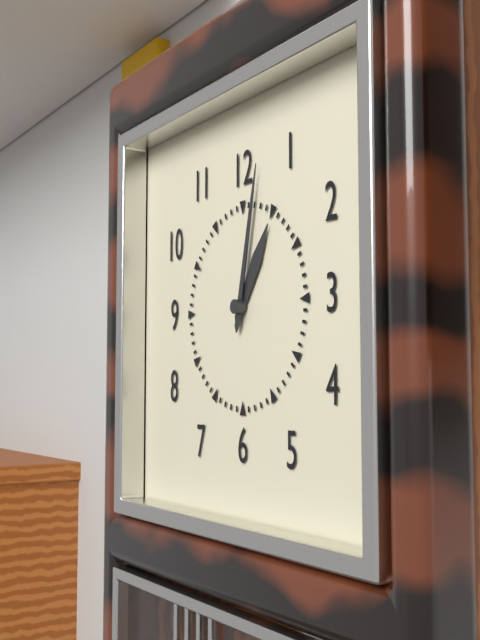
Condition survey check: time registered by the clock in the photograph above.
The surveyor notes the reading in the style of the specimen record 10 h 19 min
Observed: 1 h 02 min
